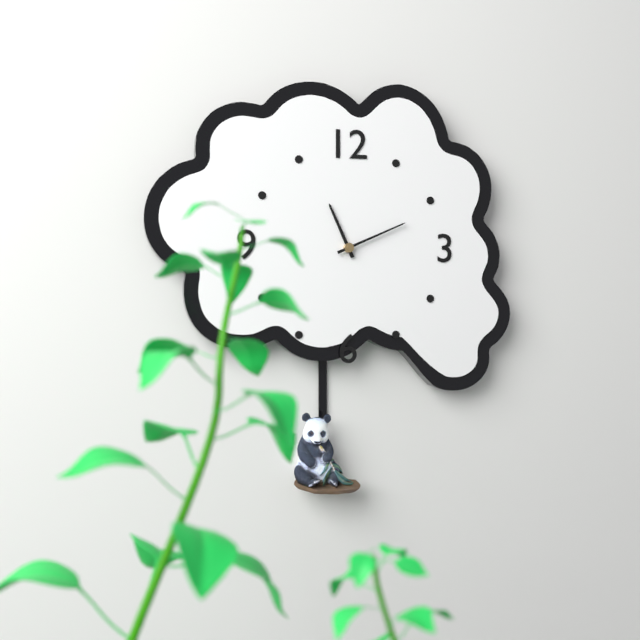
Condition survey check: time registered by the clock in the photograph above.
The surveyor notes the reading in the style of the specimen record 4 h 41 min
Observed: 11 h 11 min
